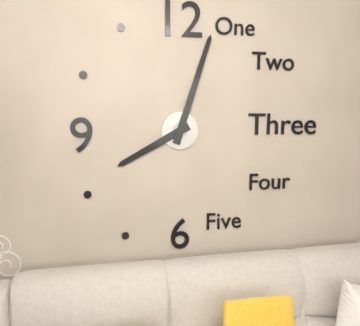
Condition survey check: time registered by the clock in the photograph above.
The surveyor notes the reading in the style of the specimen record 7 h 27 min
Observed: 8 h 03 min
